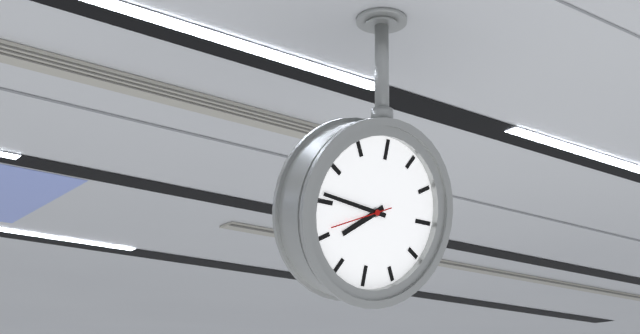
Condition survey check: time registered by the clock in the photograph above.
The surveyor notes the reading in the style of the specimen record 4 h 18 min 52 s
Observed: 7 h 46 min 41 s
